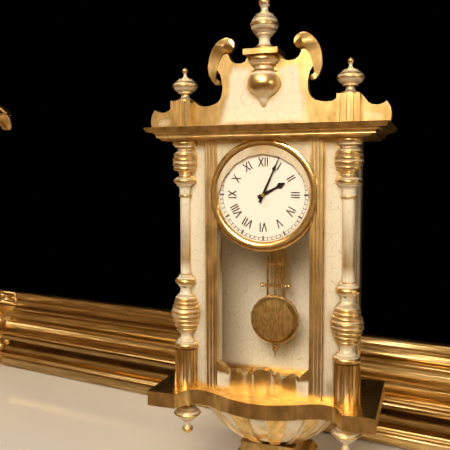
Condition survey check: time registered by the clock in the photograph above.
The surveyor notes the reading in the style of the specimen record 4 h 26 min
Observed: 2 h 04 min
